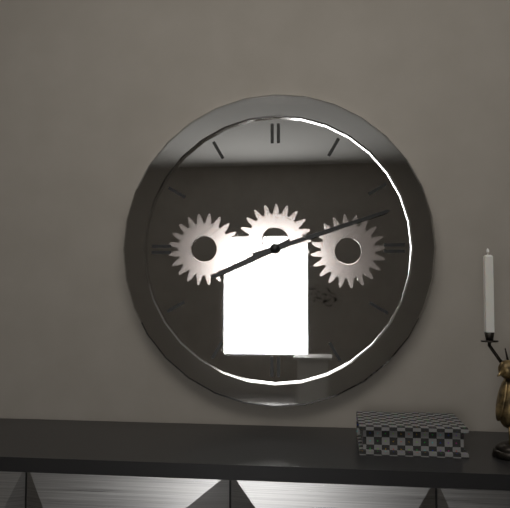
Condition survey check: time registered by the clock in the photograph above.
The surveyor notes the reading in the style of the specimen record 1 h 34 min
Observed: 8 h 12 min
